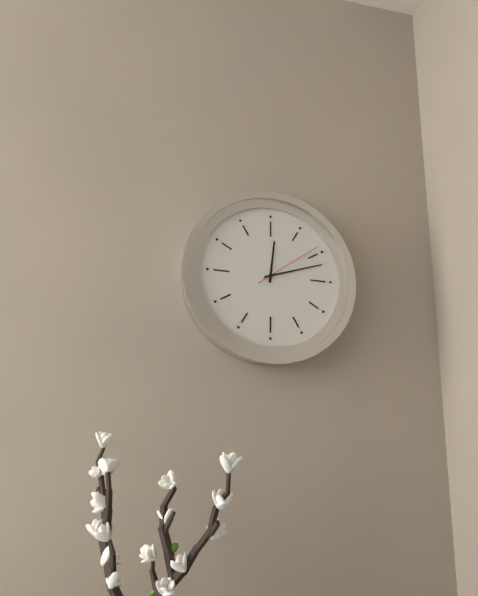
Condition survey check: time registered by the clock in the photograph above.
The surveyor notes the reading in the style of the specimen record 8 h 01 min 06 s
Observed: 12 h 12 min 09 s
